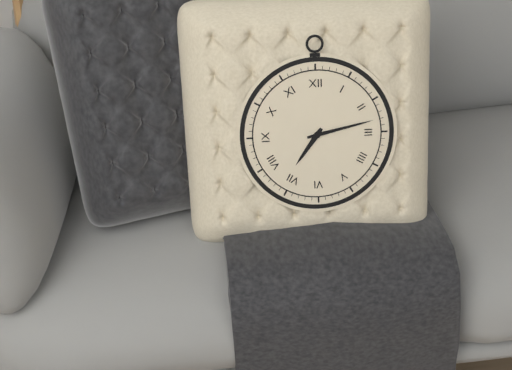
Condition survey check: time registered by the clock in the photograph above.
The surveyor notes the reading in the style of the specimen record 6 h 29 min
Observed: 7 h 13 min
